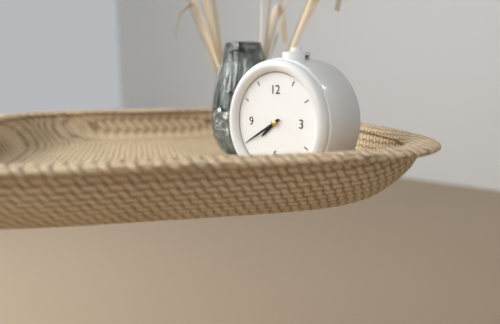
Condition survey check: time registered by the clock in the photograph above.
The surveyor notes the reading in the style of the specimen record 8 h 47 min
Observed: 7 h 40 min
